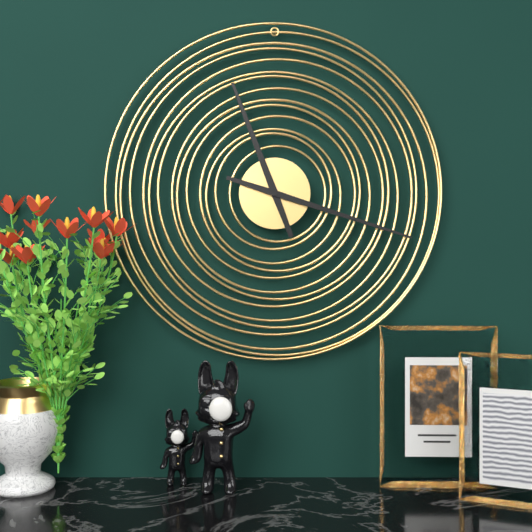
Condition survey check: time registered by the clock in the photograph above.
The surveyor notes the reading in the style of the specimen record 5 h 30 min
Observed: 11 h 18 min
